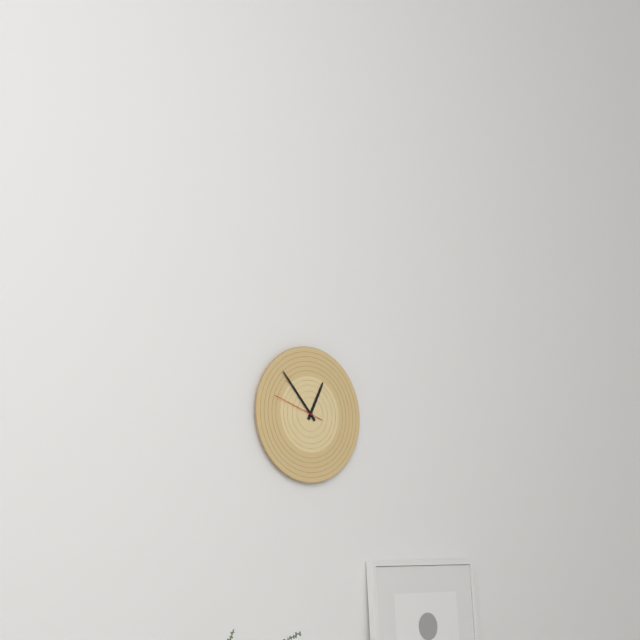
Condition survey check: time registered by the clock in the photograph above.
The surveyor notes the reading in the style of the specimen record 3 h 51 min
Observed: 12 h 53 min
